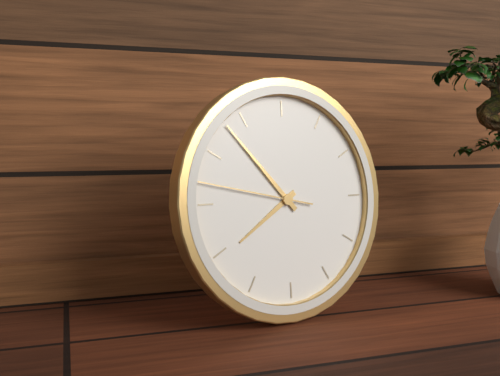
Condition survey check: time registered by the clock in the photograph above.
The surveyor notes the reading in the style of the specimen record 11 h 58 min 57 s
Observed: 7 h 53 min 47 s
